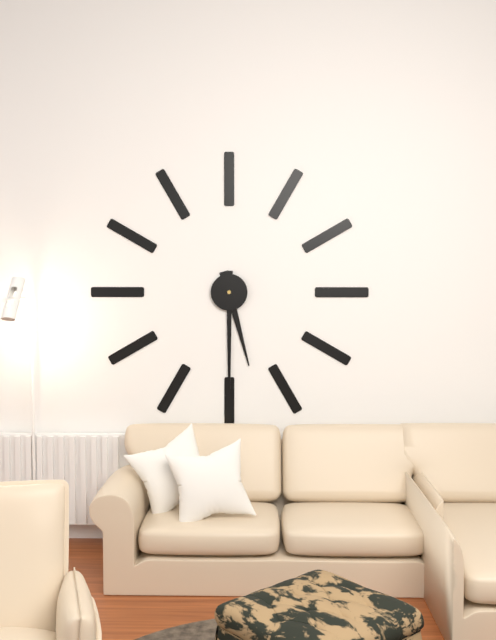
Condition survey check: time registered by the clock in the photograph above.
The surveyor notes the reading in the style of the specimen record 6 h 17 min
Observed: 5 h 30 min
